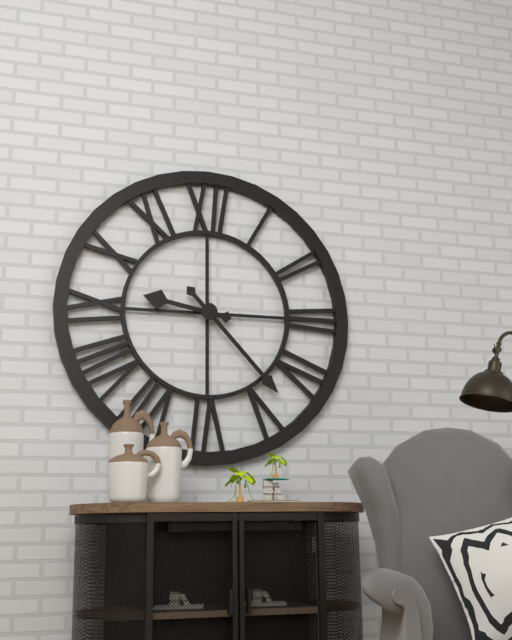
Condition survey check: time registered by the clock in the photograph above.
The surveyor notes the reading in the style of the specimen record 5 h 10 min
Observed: 9 h 23 min
